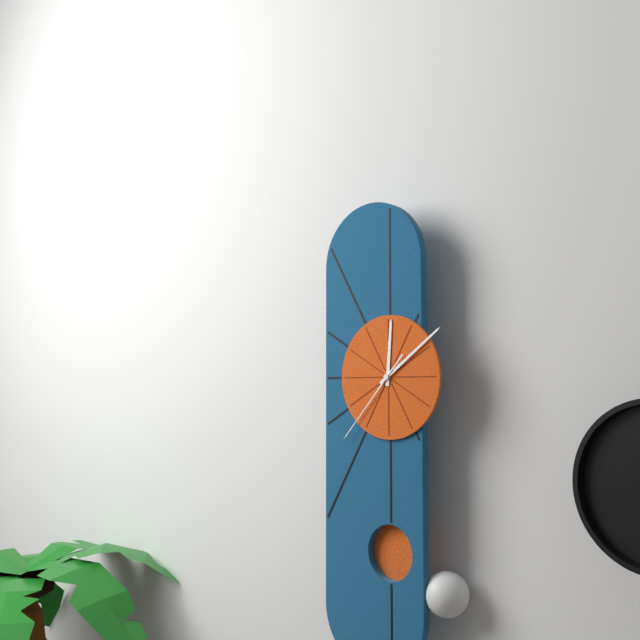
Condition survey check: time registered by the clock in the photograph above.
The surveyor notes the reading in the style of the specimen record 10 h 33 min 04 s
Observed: 12 h 09 min 37 s
